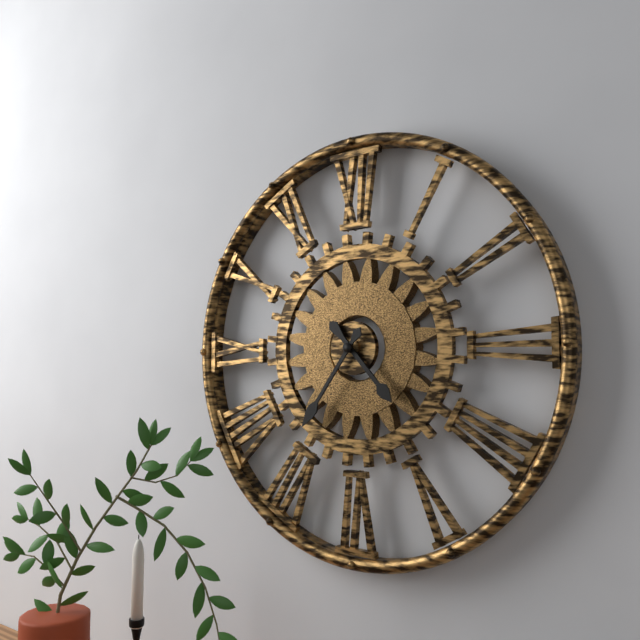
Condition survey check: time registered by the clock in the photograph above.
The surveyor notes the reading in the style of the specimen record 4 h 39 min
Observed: 4 h 36 min
